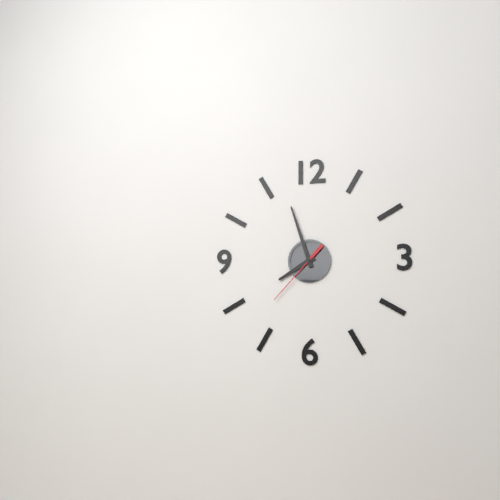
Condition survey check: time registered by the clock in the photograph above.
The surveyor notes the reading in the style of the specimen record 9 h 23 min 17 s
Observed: 7 h 57 min 37 s
